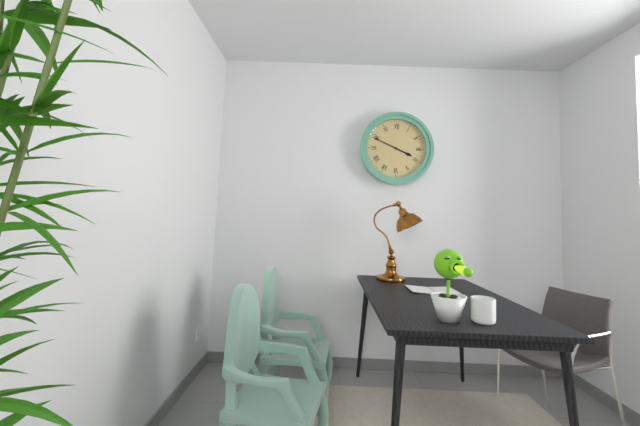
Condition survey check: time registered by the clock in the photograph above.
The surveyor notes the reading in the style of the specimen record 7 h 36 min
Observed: 3 h 49 min
